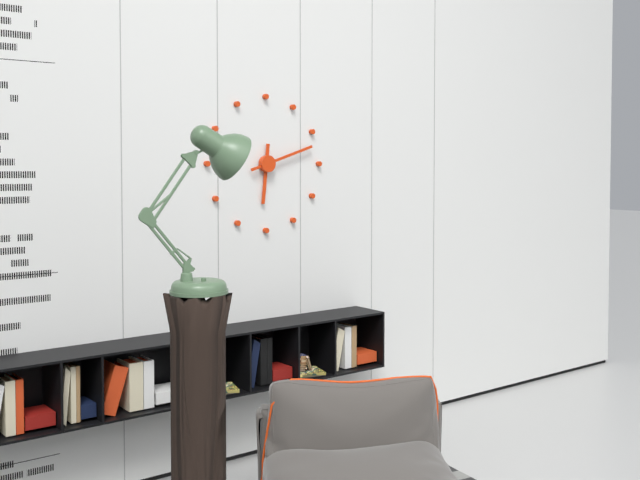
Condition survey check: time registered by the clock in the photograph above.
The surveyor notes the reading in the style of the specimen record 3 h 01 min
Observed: 6 h 12 min
